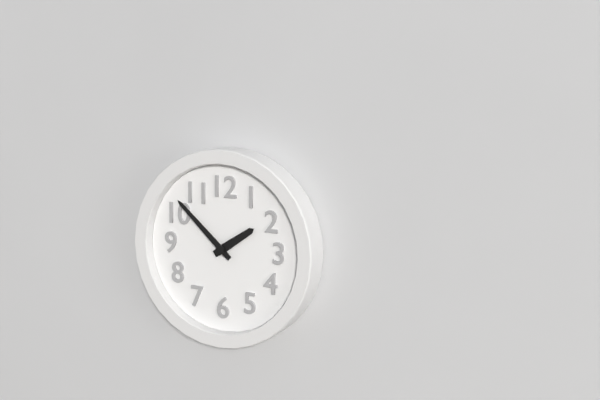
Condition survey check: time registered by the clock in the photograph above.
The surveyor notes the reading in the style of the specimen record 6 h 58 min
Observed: 1 h 52 min
